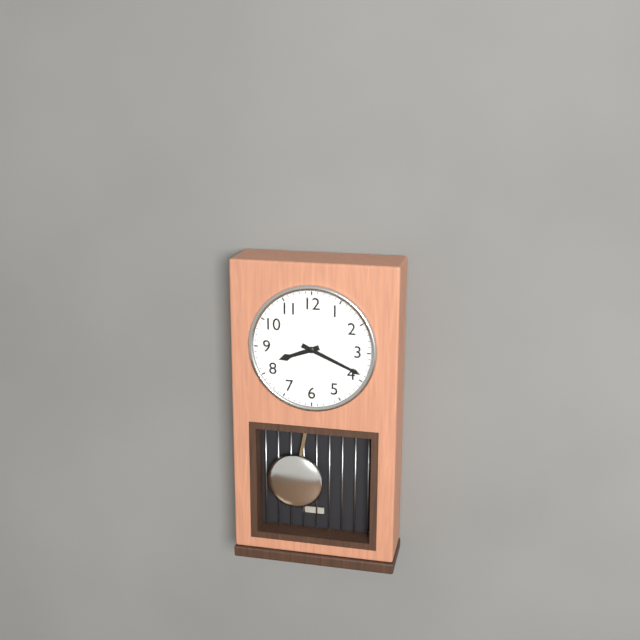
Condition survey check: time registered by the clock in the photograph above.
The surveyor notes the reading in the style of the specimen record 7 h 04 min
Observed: 8 h 19 min
